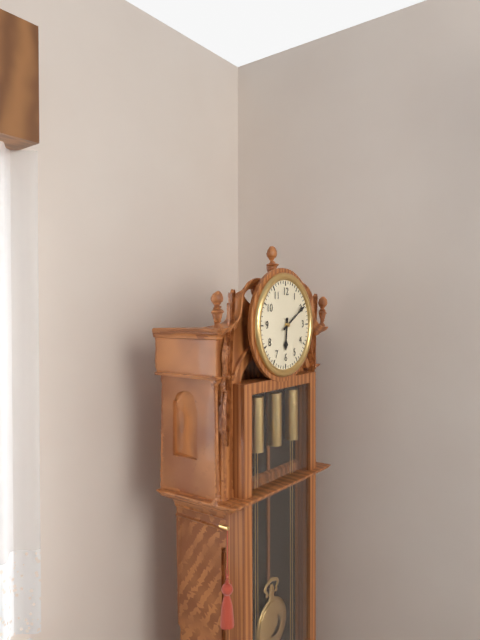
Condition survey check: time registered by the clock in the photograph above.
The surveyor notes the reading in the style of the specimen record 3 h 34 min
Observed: 6 h 10 min
